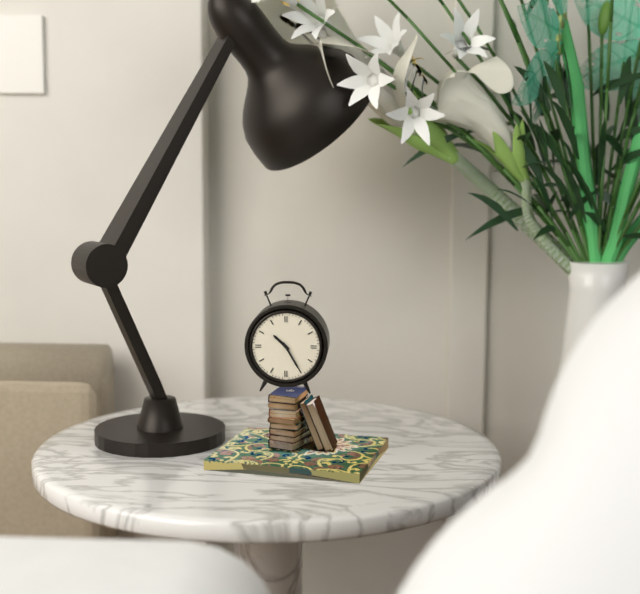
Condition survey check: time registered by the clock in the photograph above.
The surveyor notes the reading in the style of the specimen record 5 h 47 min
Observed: 10 h 25 min
